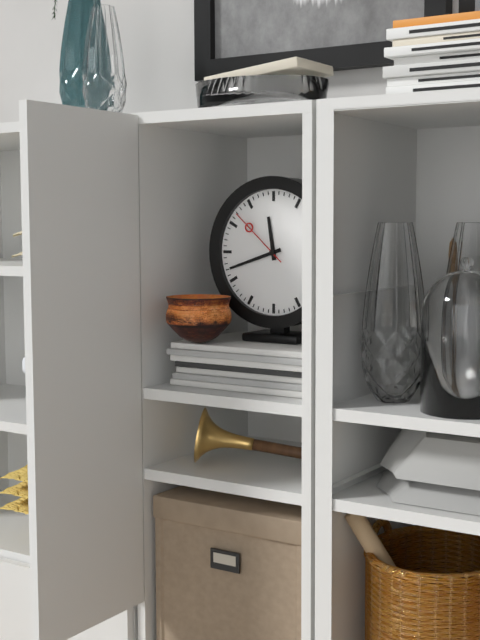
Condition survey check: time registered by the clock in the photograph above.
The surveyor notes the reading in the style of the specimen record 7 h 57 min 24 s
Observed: 11 h 42 min 52 s
